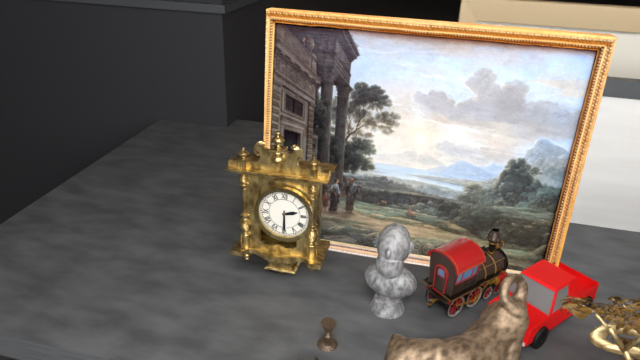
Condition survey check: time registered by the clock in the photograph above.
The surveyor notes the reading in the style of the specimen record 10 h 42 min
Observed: 2 h 30 min
